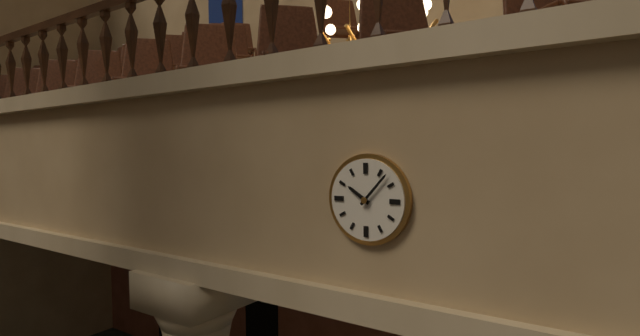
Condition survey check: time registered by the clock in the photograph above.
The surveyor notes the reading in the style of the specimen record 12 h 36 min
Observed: 10 h 07 min
